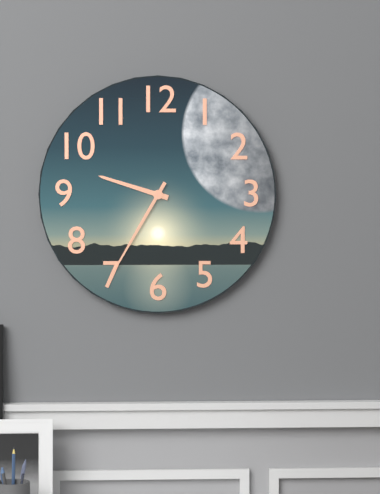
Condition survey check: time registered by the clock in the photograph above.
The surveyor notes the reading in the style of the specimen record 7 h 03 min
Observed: 9 h 35 min
